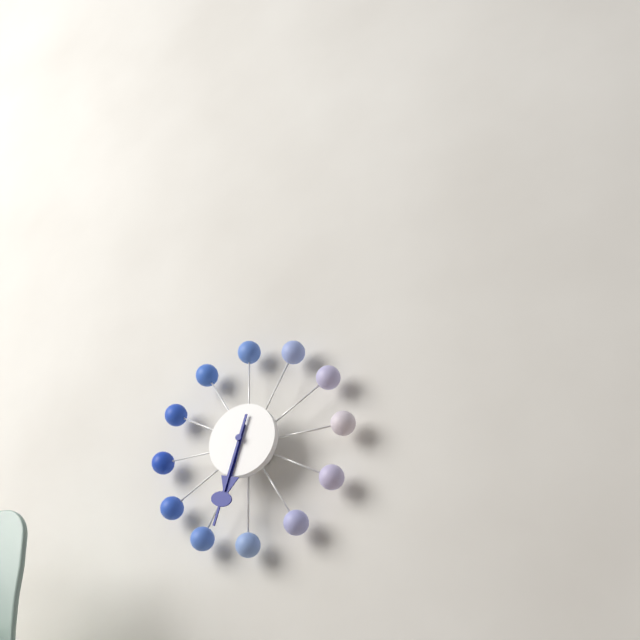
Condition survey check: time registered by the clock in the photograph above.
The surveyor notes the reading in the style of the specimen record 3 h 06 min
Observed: 6 h 33 min
